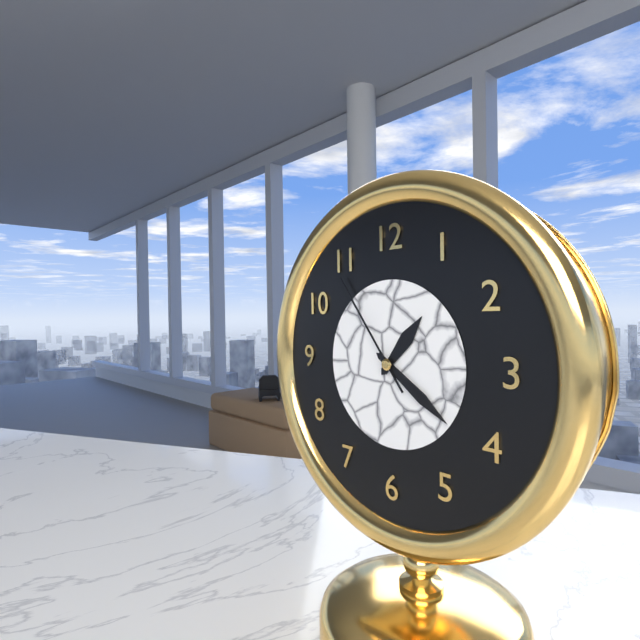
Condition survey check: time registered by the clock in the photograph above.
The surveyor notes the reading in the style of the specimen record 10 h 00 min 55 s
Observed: 1 h 21 min 54 s
